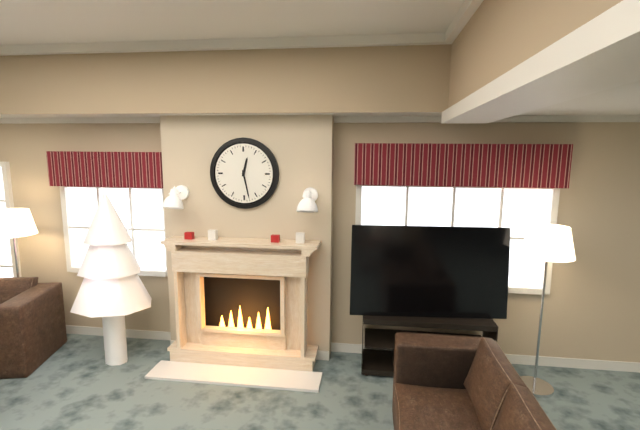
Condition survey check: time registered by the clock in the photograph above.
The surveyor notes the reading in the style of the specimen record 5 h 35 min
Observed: 12 h 28 min
